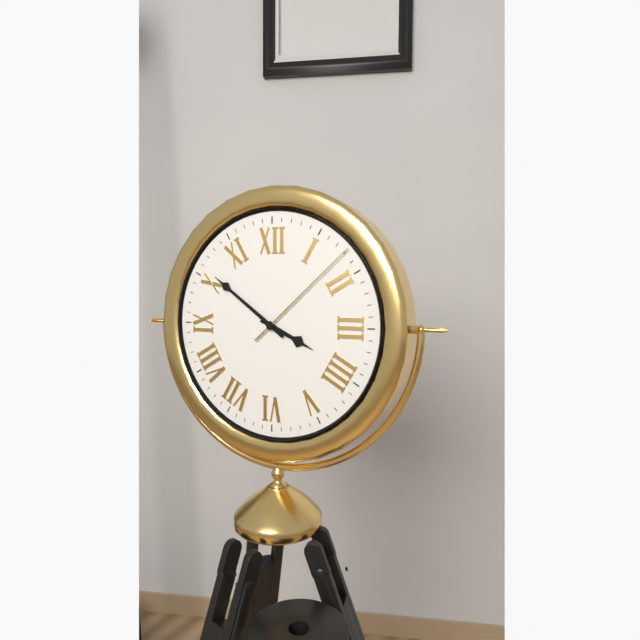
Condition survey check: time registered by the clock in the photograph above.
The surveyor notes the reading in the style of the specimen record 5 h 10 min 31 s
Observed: 3 h 51 min 08 s
